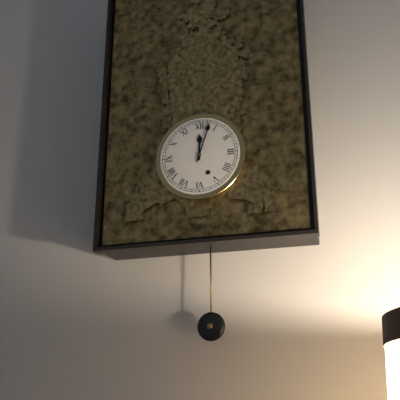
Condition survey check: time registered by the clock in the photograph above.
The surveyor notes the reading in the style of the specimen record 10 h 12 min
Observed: 12 h 03 min
